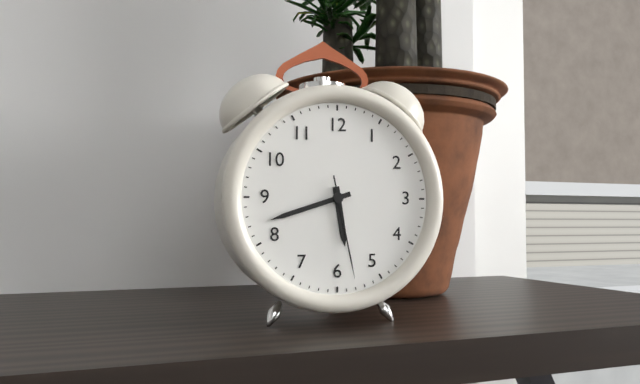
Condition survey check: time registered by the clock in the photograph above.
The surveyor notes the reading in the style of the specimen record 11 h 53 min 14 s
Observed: 5 h 42 min 28 s
